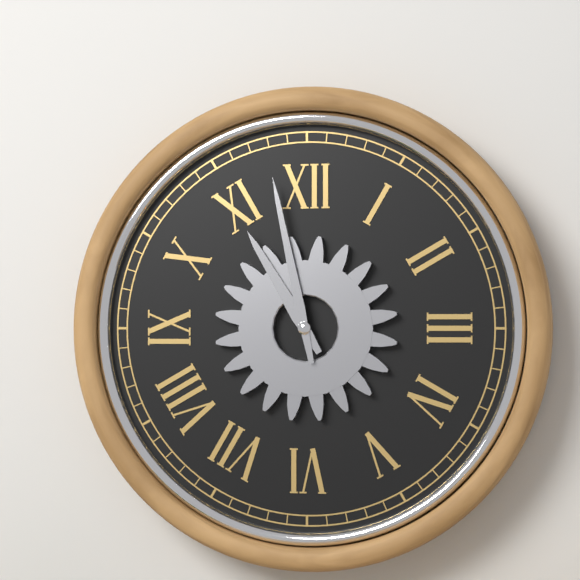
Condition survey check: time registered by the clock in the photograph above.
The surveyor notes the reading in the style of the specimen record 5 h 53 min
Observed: 10 h 58 min
